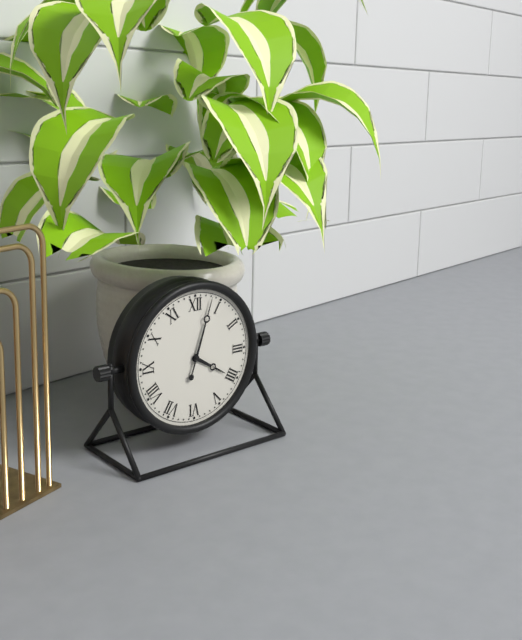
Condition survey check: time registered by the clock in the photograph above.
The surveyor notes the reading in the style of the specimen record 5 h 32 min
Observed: 4 h 03 min
